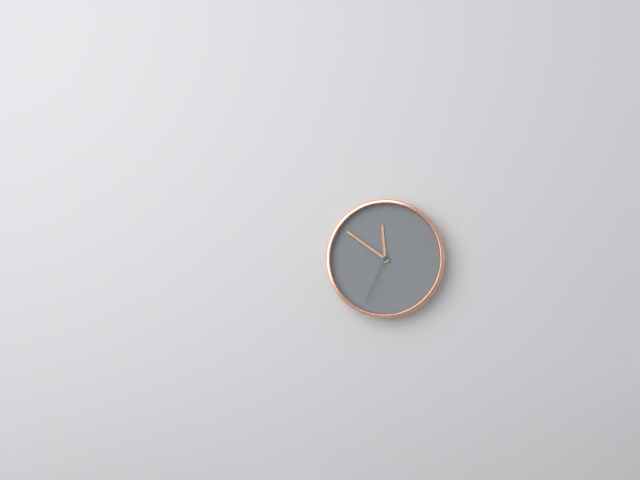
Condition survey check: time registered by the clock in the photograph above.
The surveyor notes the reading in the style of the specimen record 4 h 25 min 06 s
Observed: 11 h 51 min 34 s
